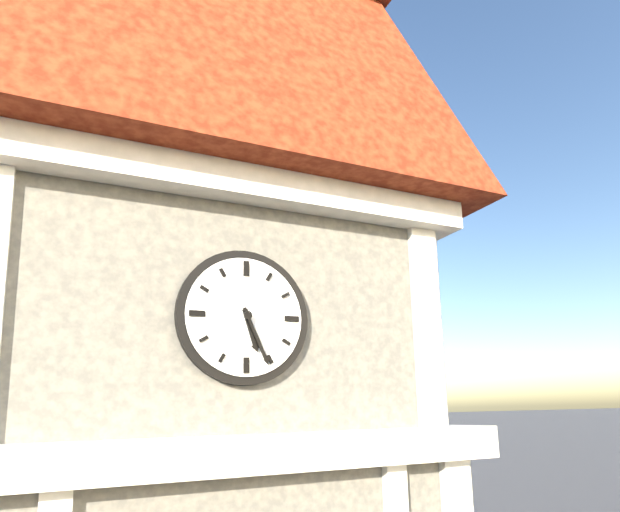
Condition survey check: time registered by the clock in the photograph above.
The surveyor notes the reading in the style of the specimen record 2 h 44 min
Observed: 5 h 26 min
